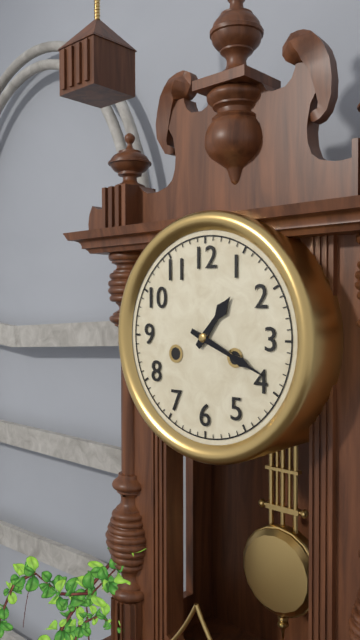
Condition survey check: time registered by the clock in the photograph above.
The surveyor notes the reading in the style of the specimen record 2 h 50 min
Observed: 1 h 19 min
